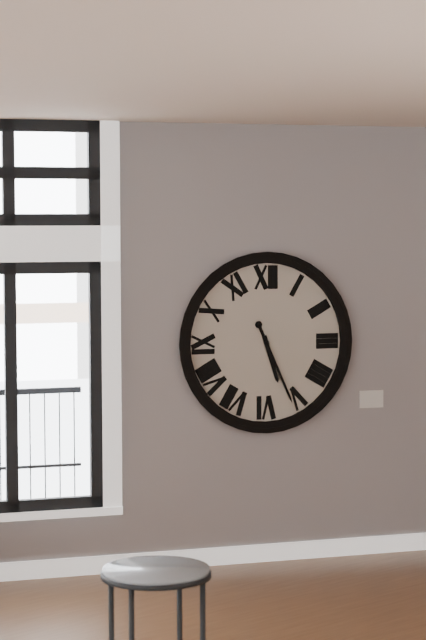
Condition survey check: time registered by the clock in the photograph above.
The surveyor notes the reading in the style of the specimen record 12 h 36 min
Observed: 5 h 26 min
